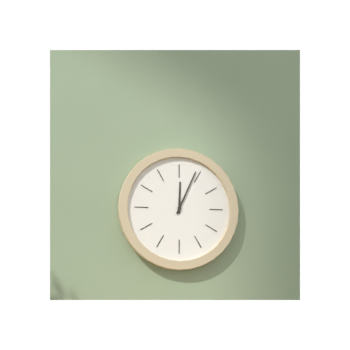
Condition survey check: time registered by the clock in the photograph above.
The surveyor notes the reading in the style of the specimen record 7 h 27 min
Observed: 12 h 04 min
